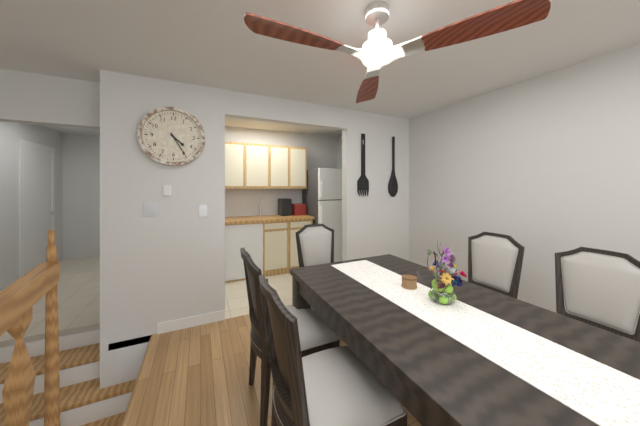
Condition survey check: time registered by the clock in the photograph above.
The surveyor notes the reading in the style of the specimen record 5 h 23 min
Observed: 4 h 25 min
